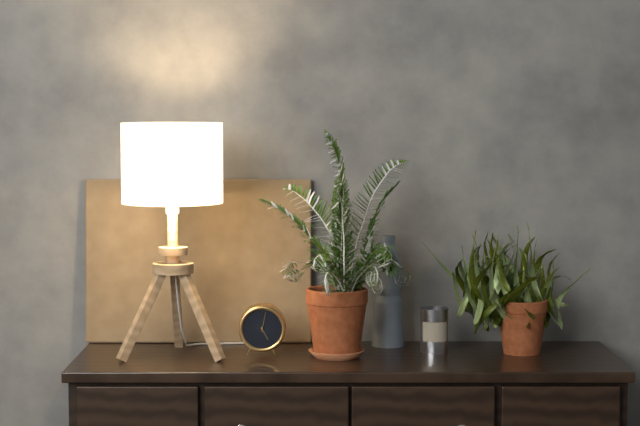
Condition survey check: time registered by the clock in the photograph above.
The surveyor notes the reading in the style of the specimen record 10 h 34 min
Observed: 5 h 02 min
